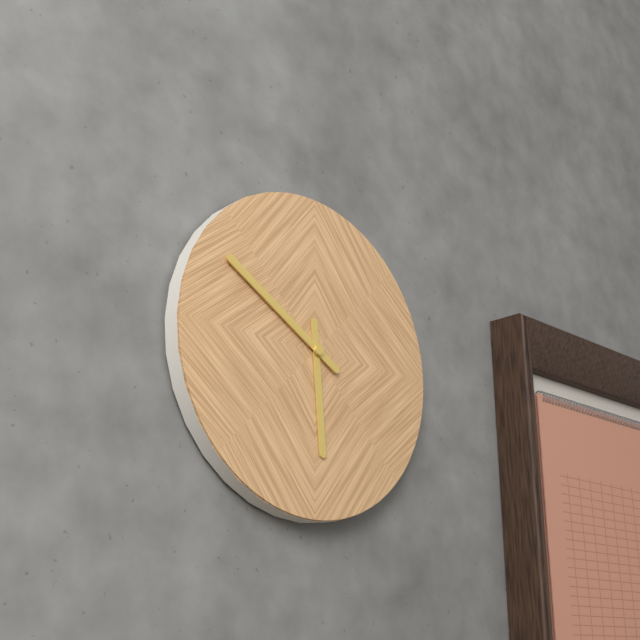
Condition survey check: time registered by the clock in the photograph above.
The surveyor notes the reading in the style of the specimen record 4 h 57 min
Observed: 5 h 50 min
